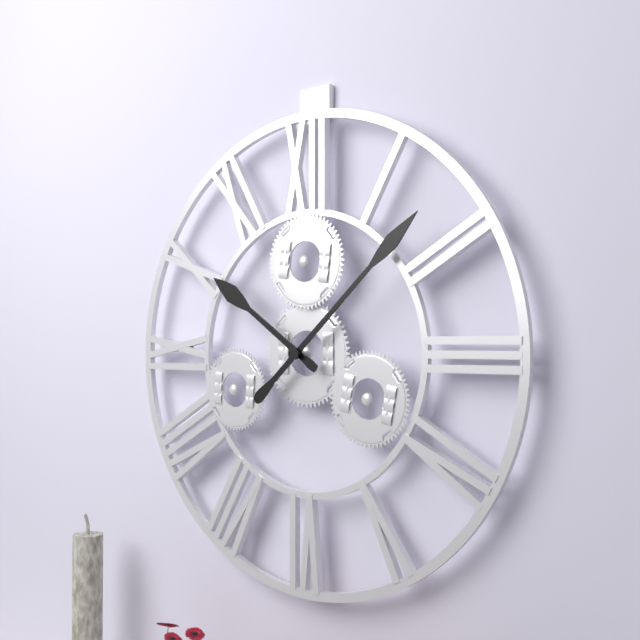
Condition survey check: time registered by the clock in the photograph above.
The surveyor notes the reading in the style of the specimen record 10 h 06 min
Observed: 10 h 08 min
